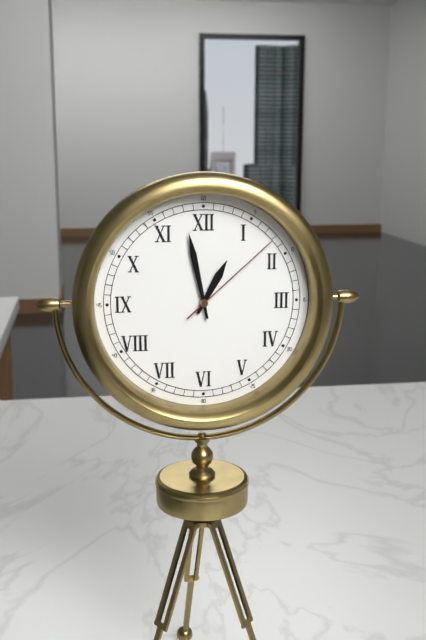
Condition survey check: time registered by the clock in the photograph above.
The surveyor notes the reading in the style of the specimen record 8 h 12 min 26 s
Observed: 12 h 58 min 08 s
